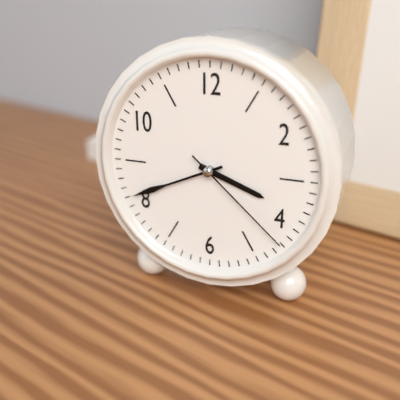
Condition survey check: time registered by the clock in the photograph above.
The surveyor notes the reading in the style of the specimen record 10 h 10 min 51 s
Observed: 3 h 41 min 22 s
